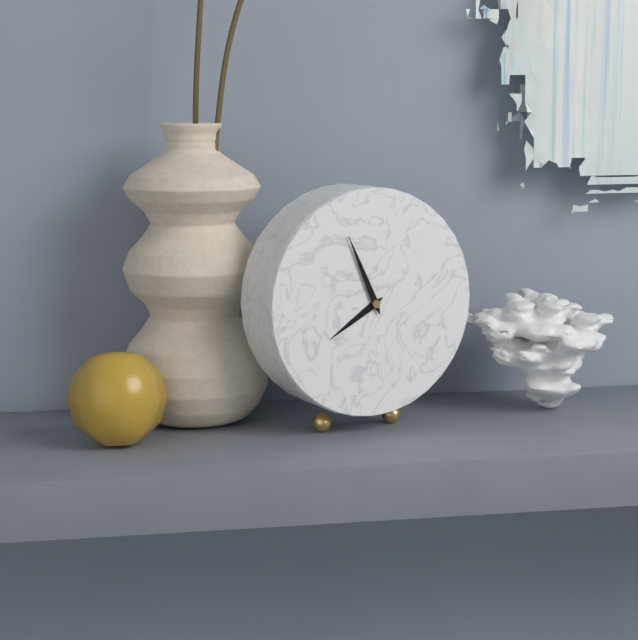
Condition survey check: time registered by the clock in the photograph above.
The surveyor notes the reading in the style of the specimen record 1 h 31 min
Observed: 7 h 56 min
